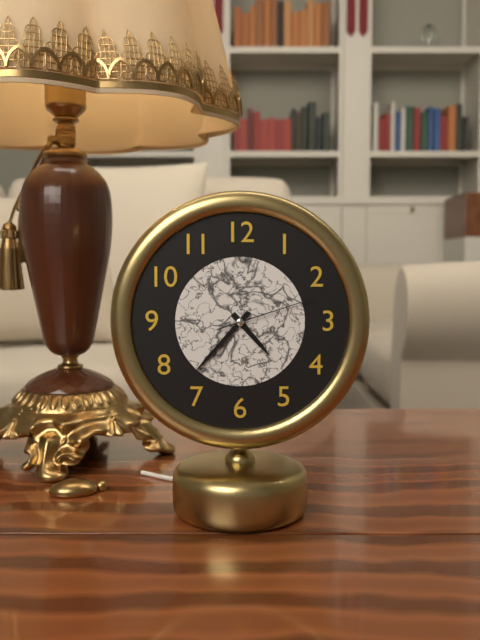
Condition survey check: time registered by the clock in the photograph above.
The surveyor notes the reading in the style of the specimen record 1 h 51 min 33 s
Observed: 4 h 37 min 12 s
